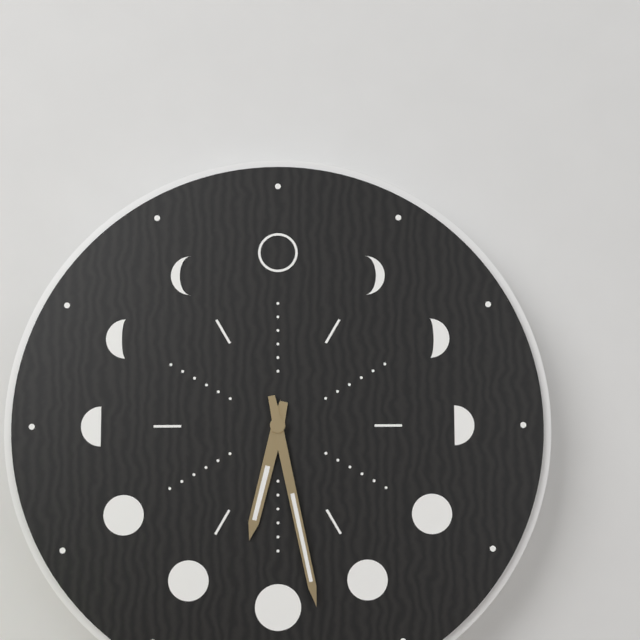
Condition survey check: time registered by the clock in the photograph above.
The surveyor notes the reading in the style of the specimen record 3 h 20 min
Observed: 6 h 28 min
